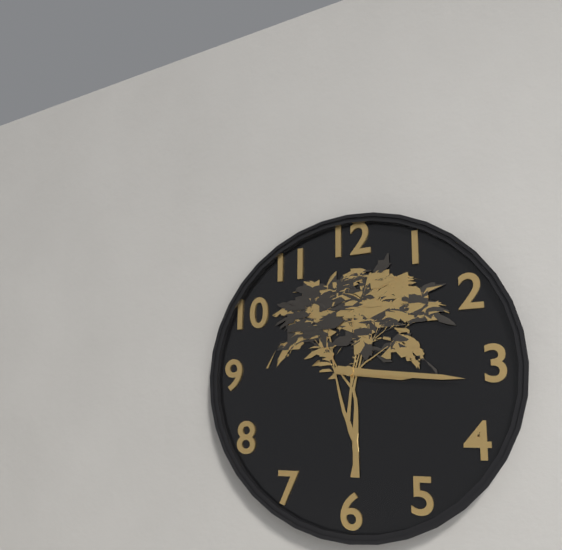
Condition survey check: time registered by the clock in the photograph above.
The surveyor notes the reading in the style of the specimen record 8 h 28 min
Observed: 3 h 16 min
